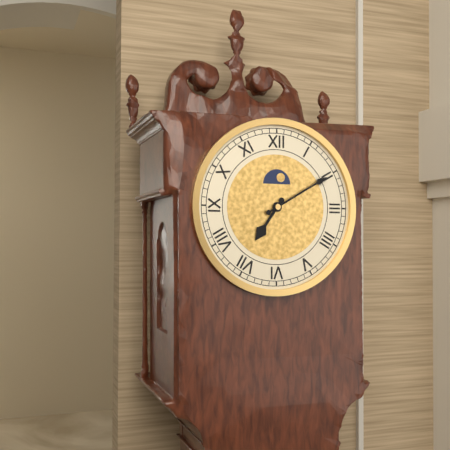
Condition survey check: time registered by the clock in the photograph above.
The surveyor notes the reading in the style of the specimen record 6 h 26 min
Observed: 7 h 10 min
